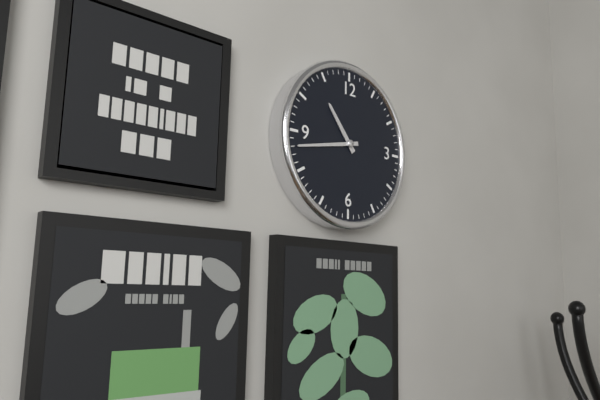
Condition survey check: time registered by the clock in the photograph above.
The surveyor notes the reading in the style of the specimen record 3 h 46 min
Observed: 10 h 43 min
